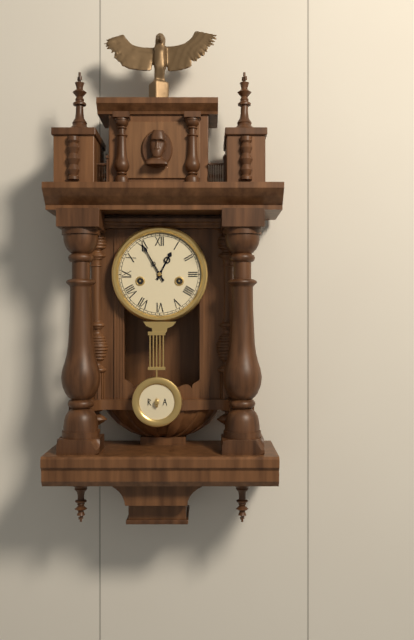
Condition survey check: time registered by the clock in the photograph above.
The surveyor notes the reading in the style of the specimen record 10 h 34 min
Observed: 12 h 55 min
